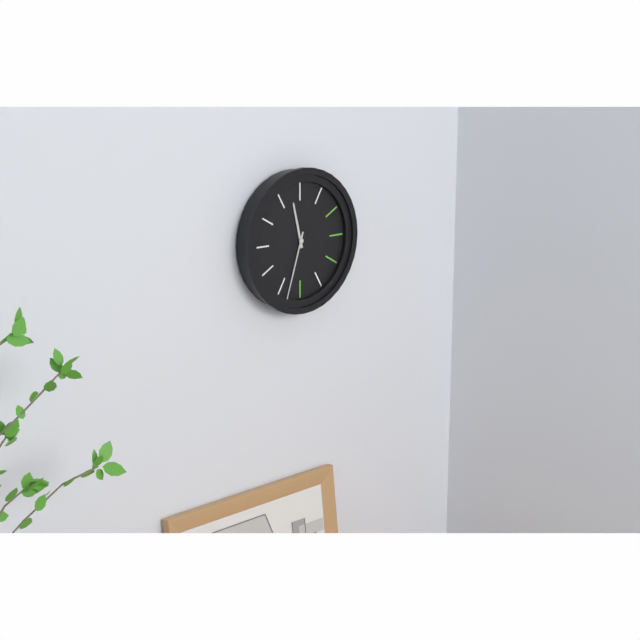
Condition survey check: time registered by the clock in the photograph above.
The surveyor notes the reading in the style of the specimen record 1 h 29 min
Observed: 11 h 33 min
